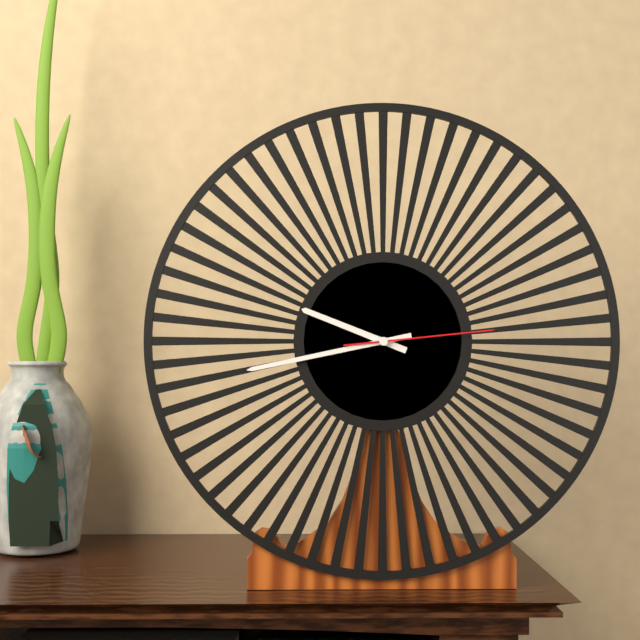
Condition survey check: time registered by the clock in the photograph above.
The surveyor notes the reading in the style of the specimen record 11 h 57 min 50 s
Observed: 9 h 43 min 14 s
